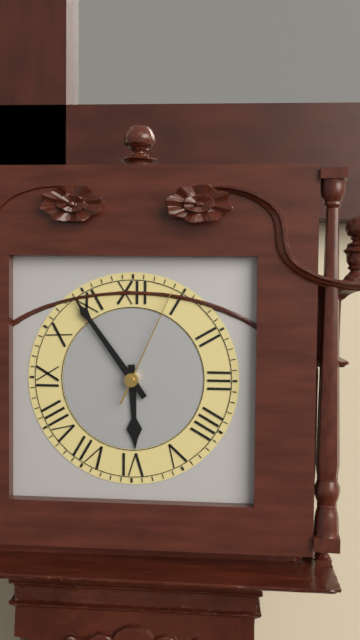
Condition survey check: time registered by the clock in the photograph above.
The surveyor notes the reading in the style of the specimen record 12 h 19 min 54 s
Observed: 5 h 54 min 04 s
